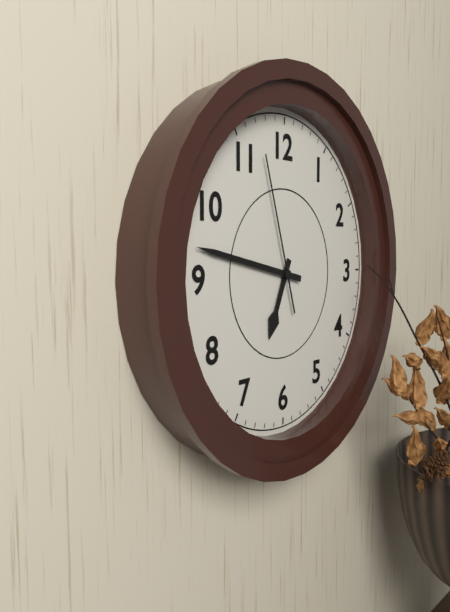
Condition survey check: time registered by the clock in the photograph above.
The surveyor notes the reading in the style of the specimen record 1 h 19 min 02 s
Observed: 6 h 47 min 57 s
